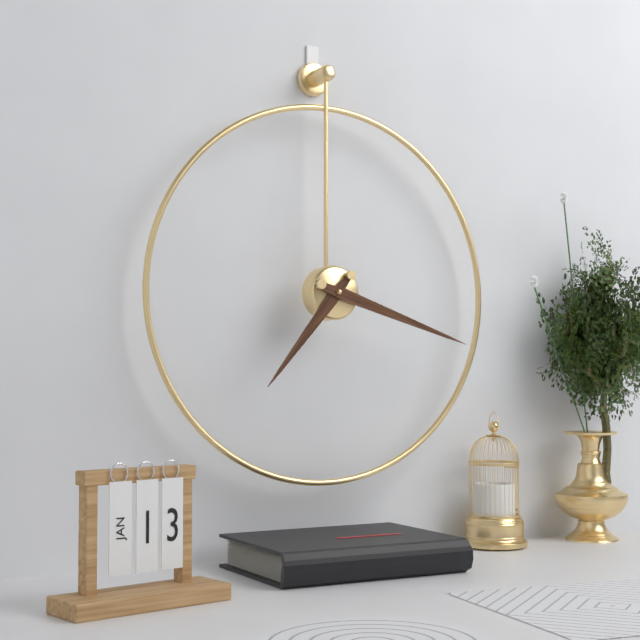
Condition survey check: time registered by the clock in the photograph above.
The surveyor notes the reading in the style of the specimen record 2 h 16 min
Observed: 7 h 18 min
